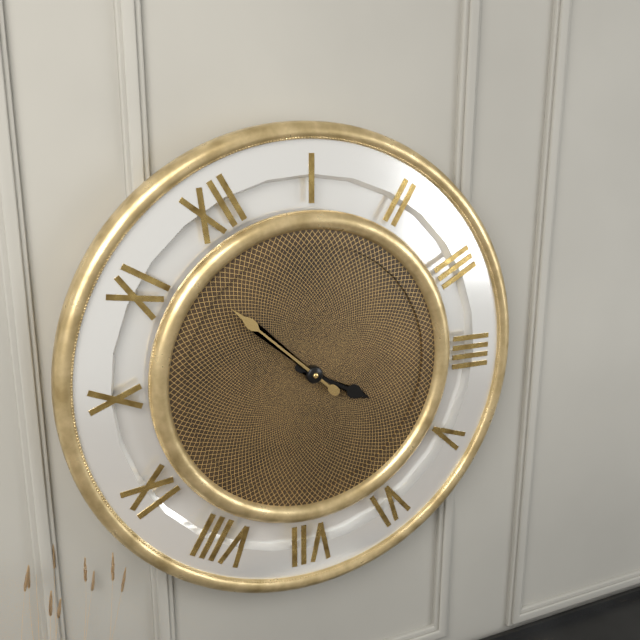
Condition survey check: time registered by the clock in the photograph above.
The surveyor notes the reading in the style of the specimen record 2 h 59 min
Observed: 4 h 57 min
